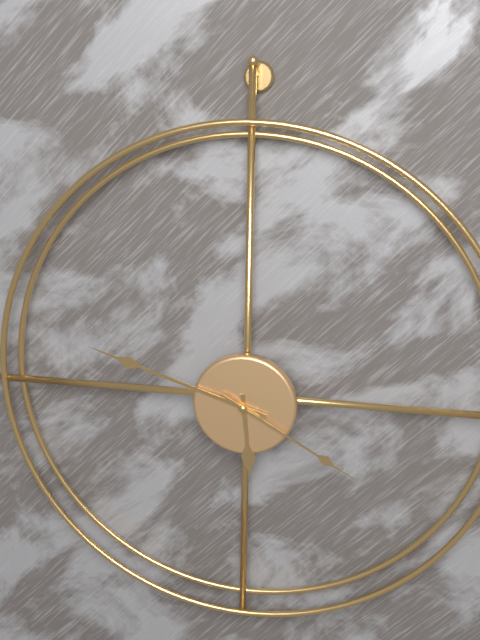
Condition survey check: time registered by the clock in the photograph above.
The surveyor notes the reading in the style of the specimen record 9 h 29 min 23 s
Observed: 5 h 48 min 20 s
